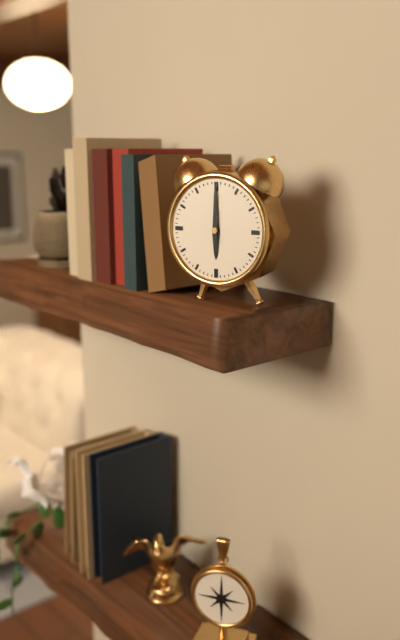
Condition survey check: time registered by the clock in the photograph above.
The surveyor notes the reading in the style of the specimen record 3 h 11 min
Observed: 6 h 00 min
